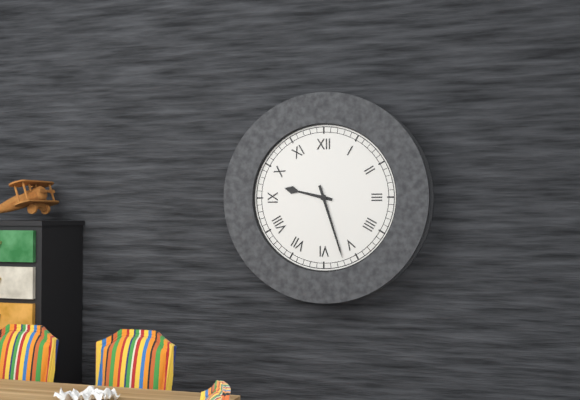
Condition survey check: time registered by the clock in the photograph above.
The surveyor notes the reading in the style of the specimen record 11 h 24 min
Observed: 9 h 27 min
